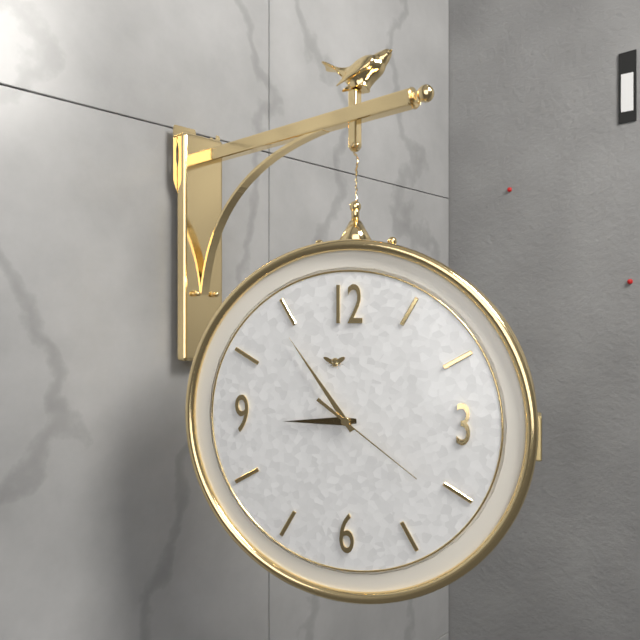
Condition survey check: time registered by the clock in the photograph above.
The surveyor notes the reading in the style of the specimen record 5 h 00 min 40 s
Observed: 8 h 54 min 21 s
